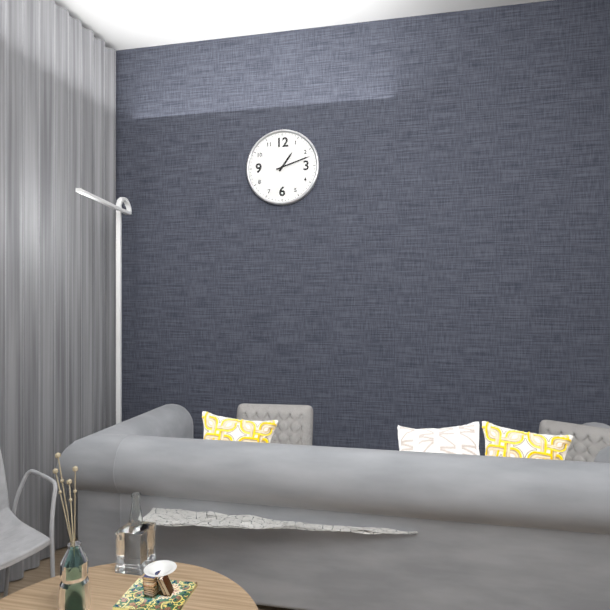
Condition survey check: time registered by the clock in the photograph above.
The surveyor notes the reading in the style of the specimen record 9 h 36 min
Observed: 1 h 12 min
